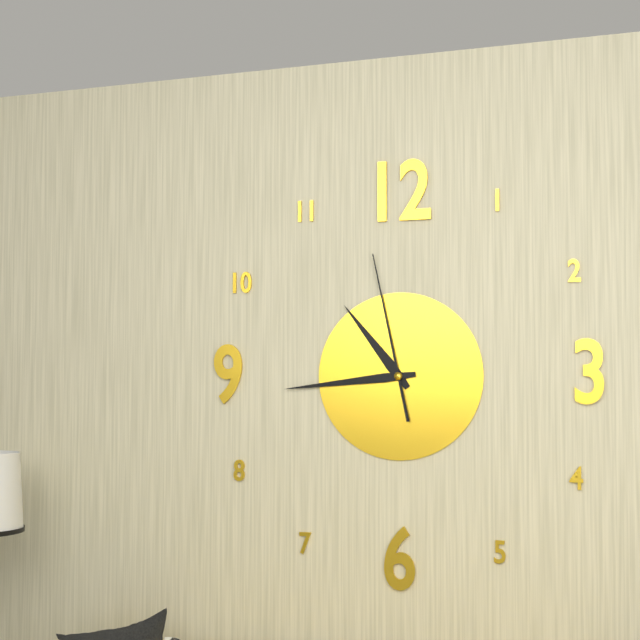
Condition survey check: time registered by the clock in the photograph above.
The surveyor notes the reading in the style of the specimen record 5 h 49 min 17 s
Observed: 10 h 44 min 58 s
